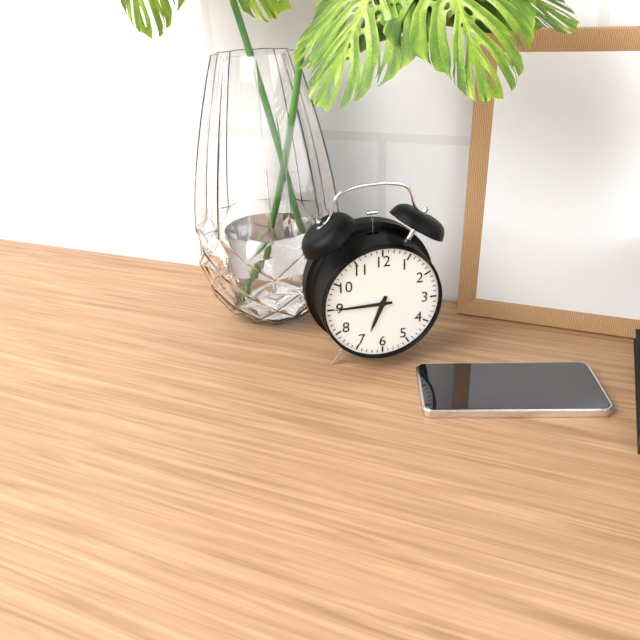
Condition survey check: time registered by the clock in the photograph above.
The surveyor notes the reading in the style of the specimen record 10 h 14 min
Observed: 6 h 45 min
